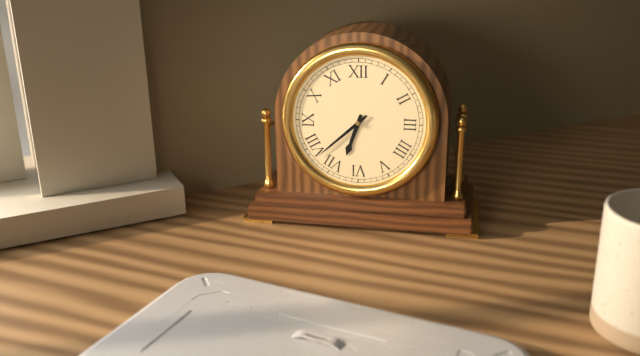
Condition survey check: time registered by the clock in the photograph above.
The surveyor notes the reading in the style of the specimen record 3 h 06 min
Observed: 6 h 38 min
